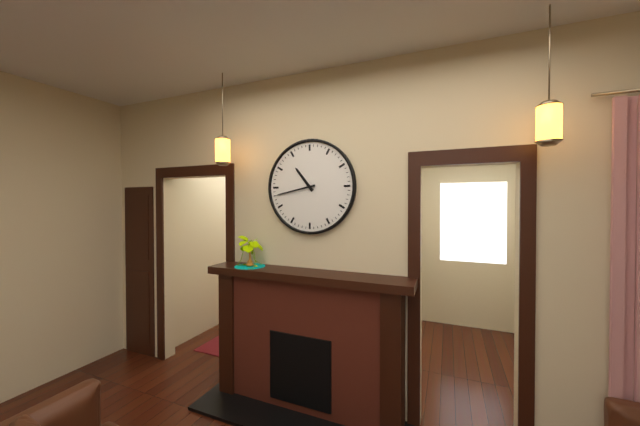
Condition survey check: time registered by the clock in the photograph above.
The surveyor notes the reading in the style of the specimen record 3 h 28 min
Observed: 10 h 43 min
